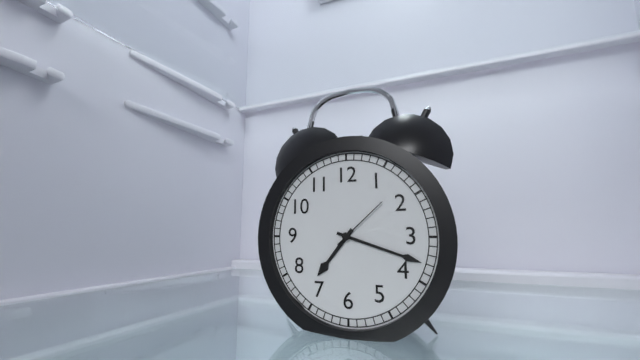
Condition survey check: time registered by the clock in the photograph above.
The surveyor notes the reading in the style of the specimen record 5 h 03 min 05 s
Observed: 7 h 18 min 08 s
